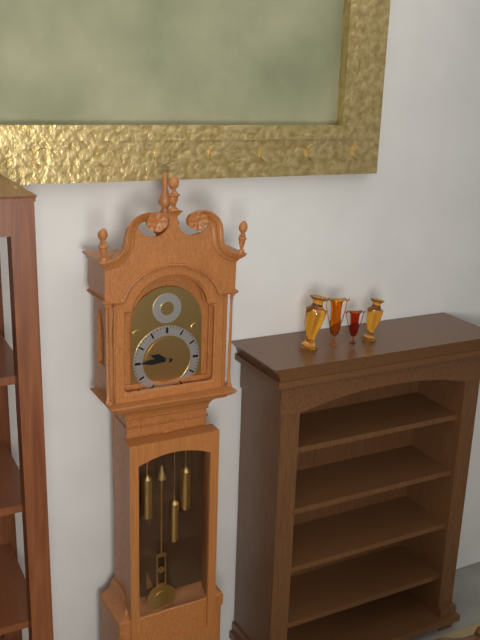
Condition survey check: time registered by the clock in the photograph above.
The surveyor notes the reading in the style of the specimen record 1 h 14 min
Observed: 9 h 45 min
